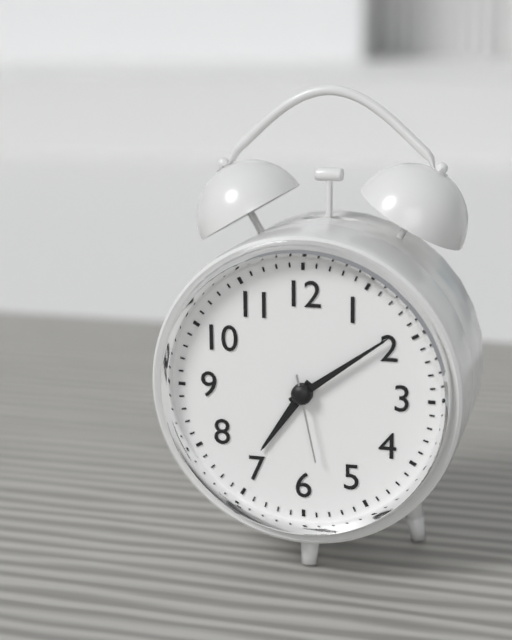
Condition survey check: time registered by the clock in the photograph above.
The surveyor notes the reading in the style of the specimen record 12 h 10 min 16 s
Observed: 7 h 09 min 28 s
